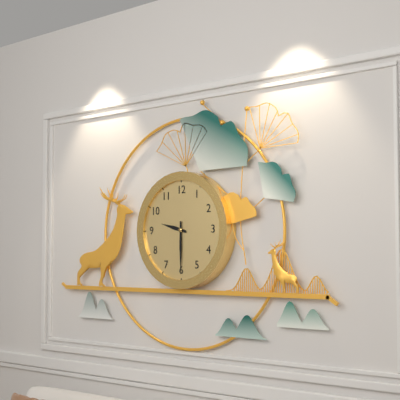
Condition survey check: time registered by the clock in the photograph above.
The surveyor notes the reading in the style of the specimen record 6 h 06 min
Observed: 9 h 30 min
